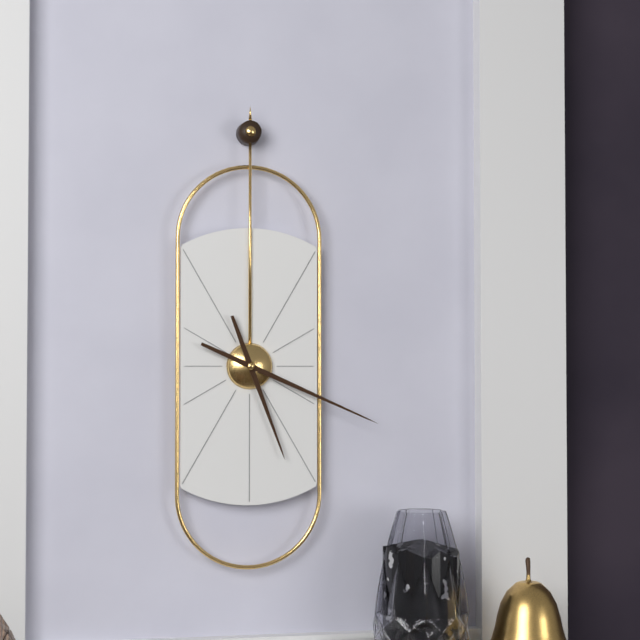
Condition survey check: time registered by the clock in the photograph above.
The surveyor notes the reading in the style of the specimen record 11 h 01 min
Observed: 5 h 19 min
